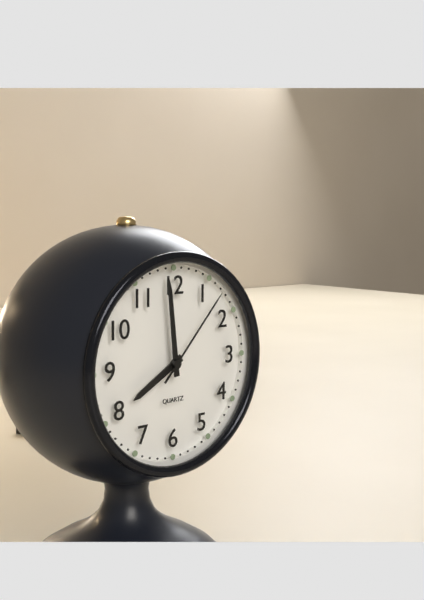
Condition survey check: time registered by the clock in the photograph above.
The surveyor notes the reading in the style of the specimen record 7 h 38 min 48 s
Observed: 7 h 59 min 07 s
